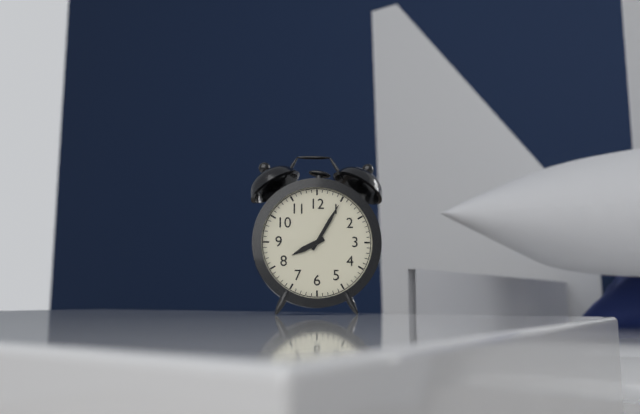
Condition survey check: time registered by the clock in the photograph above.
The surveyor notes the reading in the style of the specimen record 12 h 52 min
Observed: 8 h 05 min
